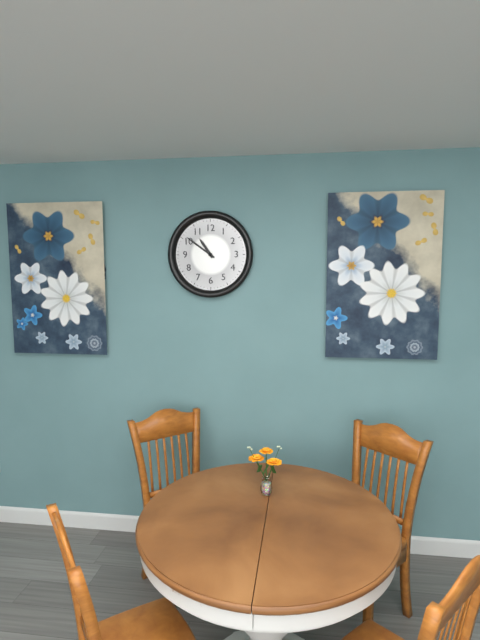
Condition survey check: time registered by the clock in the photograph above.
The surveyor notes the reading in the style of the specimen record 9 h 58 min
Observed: 10 h 51 min
